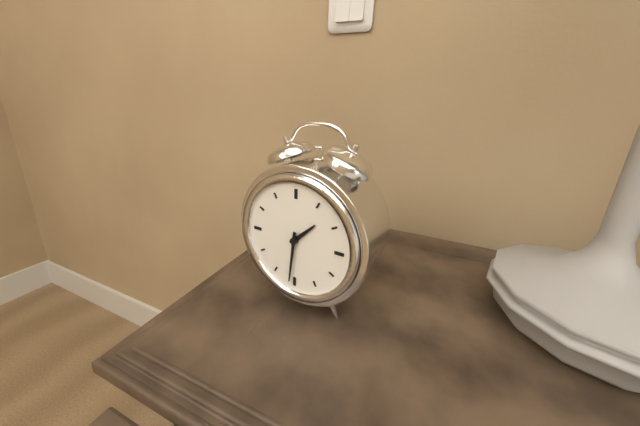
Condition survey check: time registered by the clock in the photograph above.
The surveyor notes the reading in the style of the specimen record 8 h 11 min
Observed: 1 h 31 min
